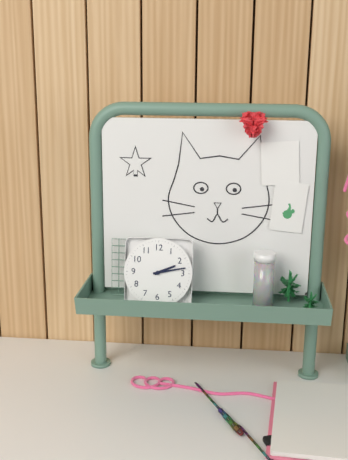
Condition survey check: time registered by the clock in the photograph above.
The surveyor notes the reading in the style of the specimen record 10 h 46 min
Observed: 2 h 13 min
